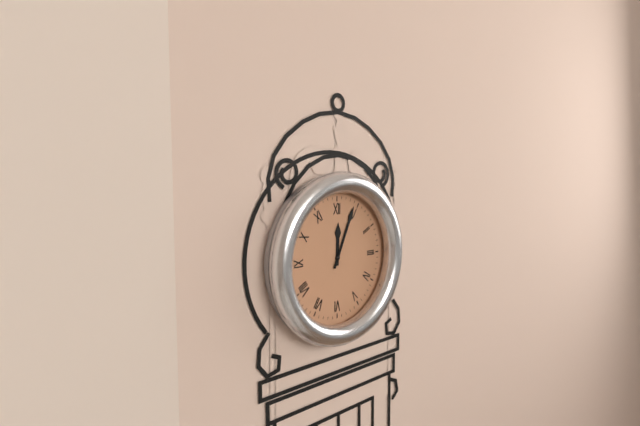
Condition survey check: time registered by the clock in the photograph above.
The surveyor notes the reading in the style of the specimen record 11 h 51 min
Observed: 12 h 04 min
